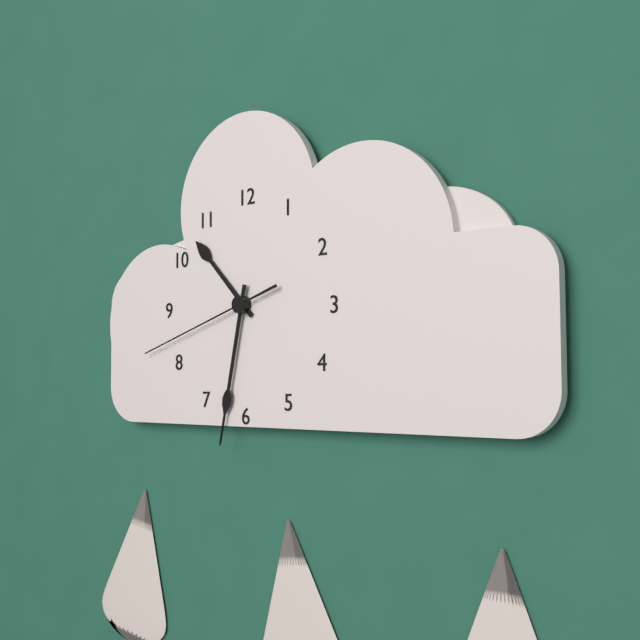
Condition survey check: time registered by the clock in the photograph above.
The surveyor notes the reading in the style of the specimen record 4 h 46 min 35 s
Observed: 10 h 32 min 42 s
